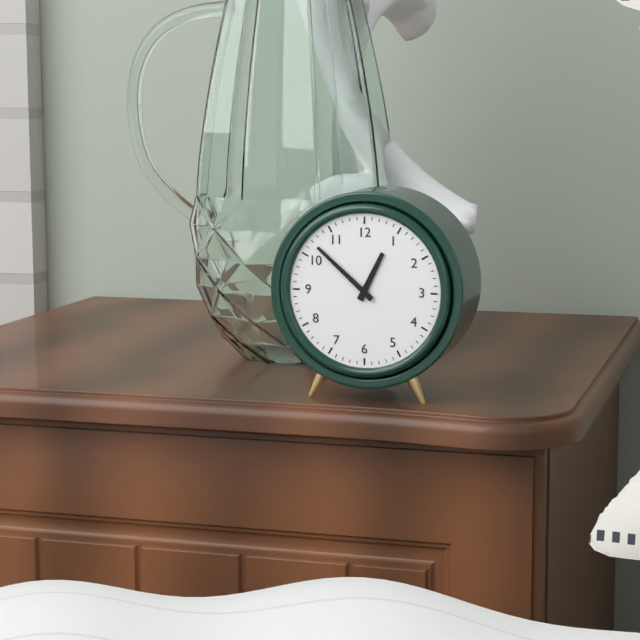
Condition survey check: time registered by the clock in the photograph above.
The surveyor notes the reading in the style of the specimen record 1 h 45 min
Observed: 12 h 52 min
